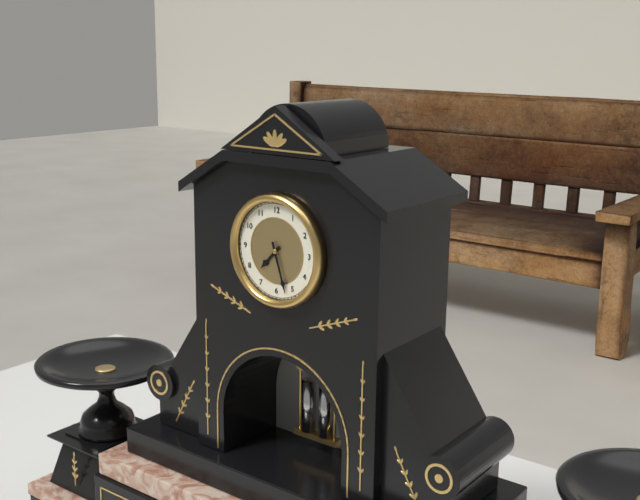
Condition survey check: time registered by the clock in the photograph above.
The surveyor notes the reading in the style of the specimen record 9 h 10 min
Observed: 7 h 27 min
